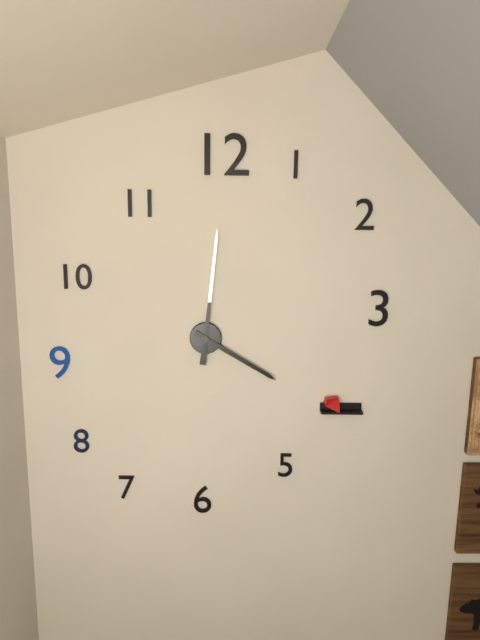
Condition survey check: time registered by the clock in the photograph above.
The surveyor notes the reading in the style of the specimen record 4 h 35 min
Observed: 4 h 01 min
